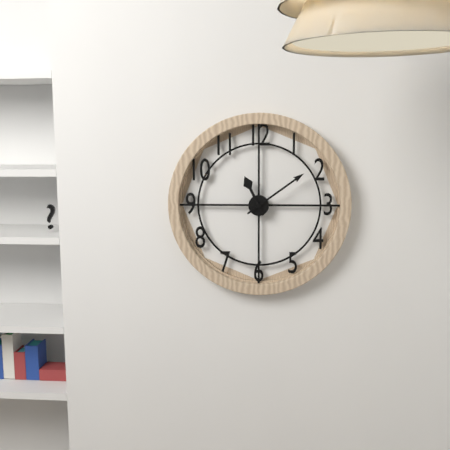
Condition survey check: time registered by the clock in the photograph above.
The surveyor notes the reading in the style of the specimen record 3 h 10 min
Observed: 11 h 09 min
